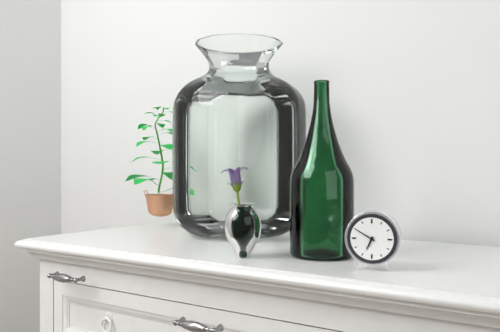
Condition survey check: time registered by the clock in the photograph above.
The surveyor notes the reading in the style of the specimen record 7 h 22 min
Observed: 6 h 50 min
